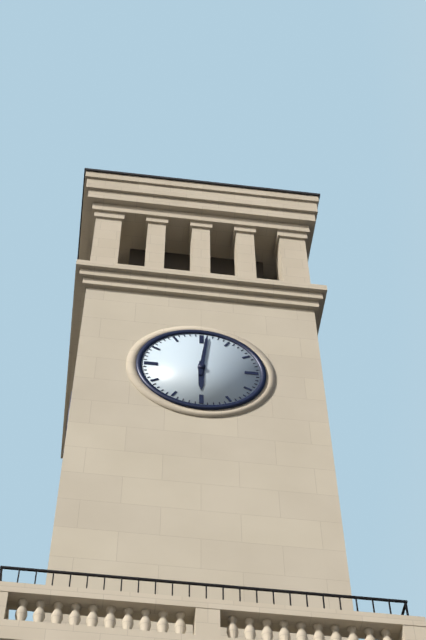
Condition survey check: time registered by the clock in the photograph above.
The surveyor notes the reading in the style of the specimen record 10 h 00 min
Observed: 6 h 01 min
